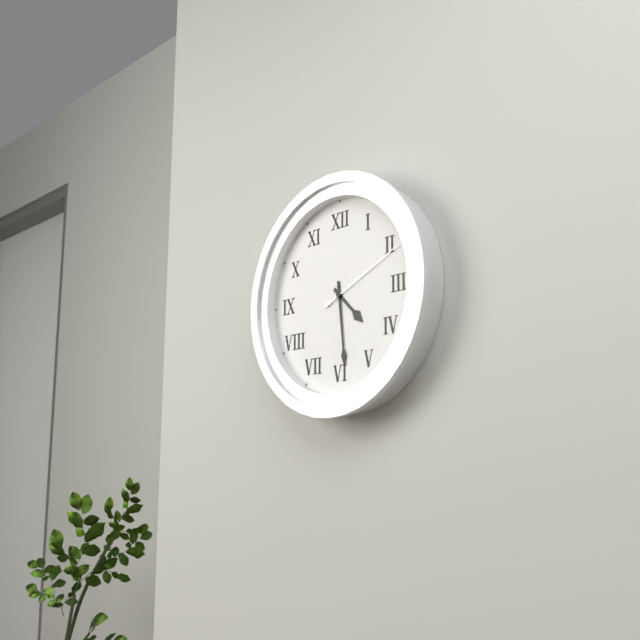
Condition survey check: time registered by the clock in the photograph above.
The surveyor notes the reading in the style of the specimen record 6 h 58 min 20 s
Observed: 4 h 29 min 11 s
